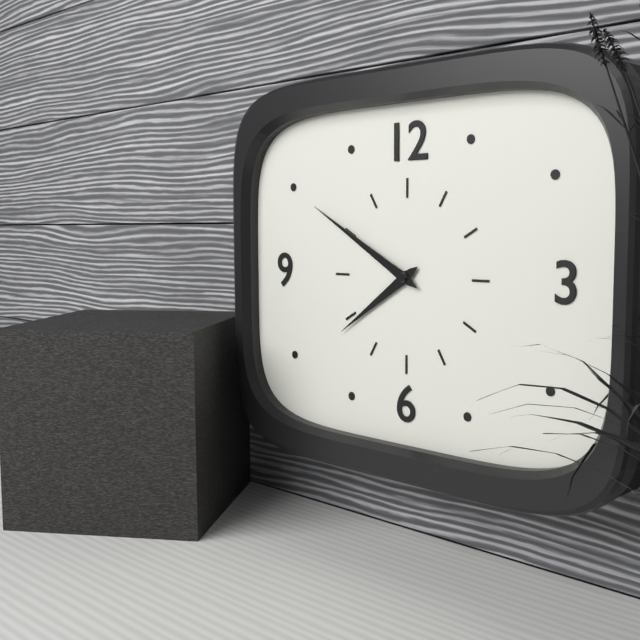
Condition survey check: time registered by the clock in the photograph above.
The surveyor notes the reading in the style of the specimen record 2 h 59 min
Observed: 7 h 50 min
